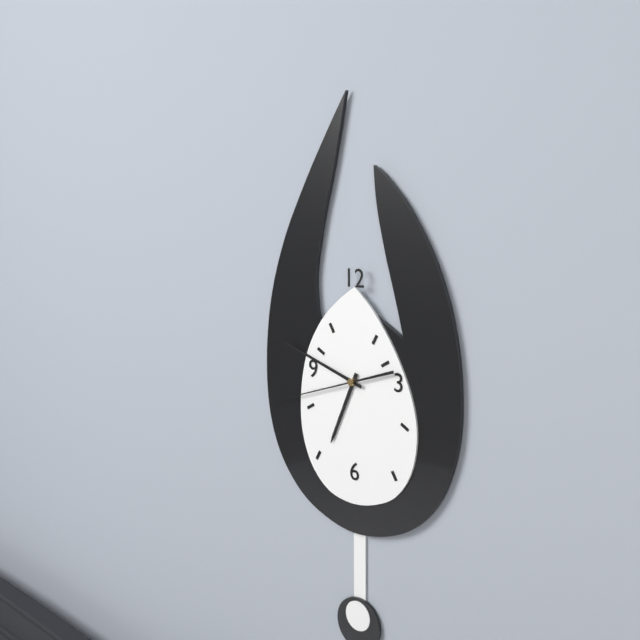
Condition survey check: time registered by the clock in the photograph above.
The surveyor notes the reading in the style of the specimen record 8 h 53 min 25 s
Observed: 6 h 48 min 42 s
